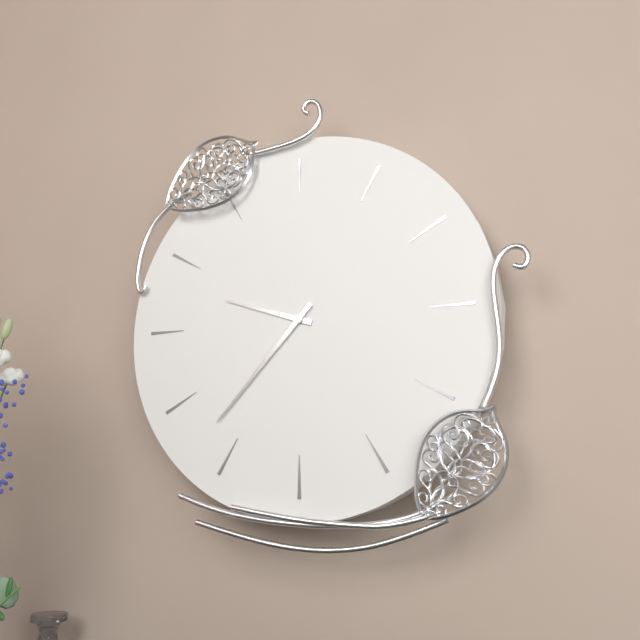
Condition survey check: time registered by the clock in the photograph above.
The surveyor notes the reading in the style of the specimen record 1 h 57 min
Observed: 9 h 37 min
